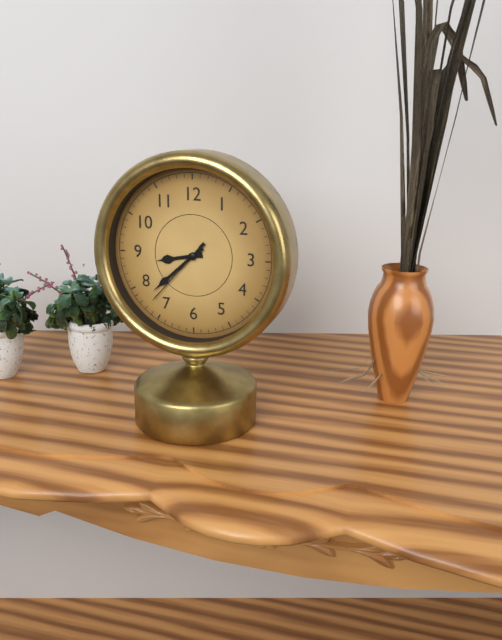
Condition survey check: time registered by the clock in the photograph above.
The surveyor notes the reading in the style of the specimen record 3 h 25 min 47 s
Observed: 8 h 38 min 37 s
